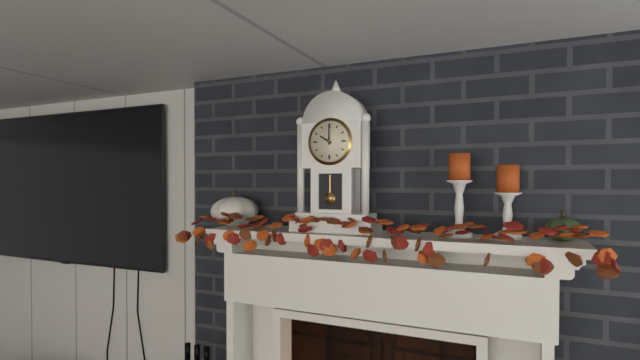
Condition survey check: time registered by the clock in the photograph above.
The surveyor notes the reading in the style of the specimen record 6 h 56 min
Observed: 10 h 00 min
